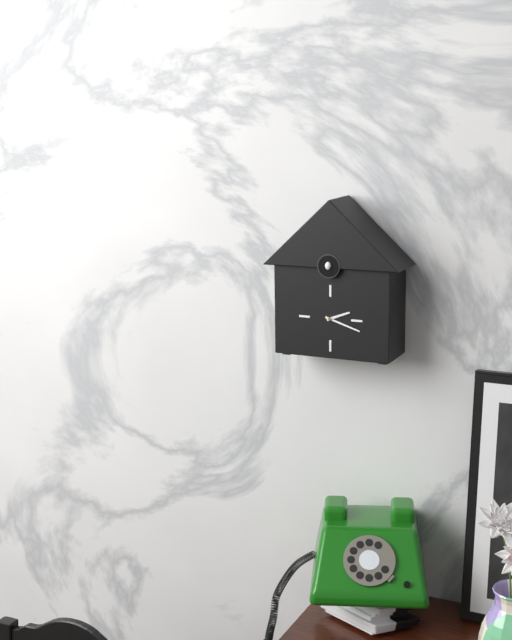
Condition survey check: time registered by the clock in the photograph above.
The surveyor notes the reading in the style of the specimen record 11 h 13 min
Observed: 2 h 18 min
